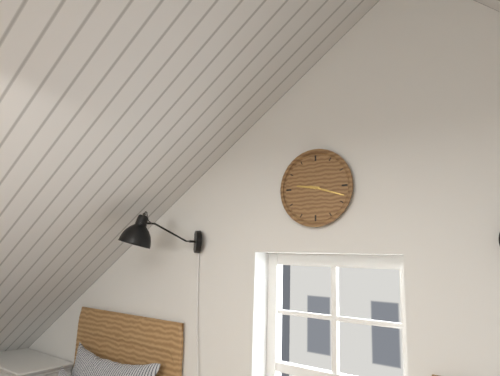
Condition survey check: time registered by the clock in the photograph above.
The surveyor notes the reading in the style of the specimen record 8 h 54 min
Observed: 9 h 18 min
